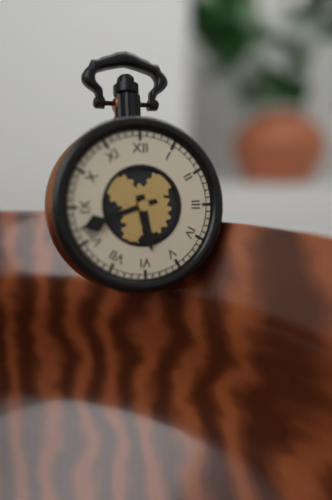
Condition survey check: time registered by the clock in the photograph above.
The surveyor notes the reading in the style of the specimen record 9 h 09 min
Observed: 5 h 42 min
